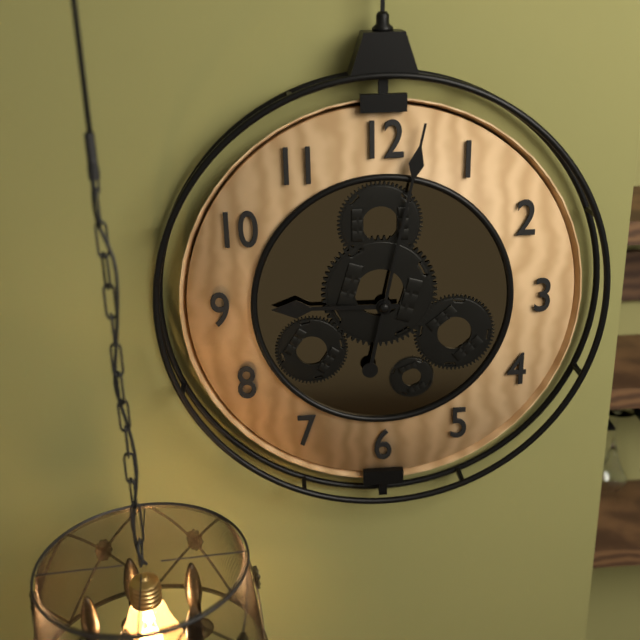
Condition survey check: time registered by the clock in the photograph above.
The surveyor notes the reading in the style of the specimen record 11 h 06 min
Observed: 9 h 02 min
